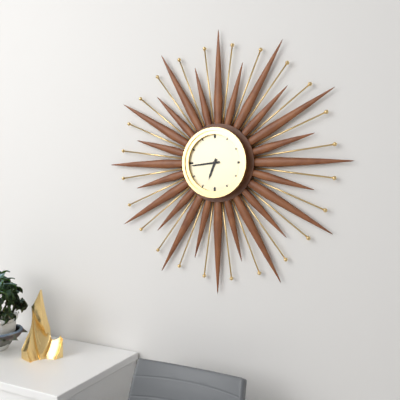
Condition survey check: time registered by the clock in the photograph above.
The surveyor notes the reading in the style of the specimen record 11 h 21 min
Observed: 6 h 44 min
